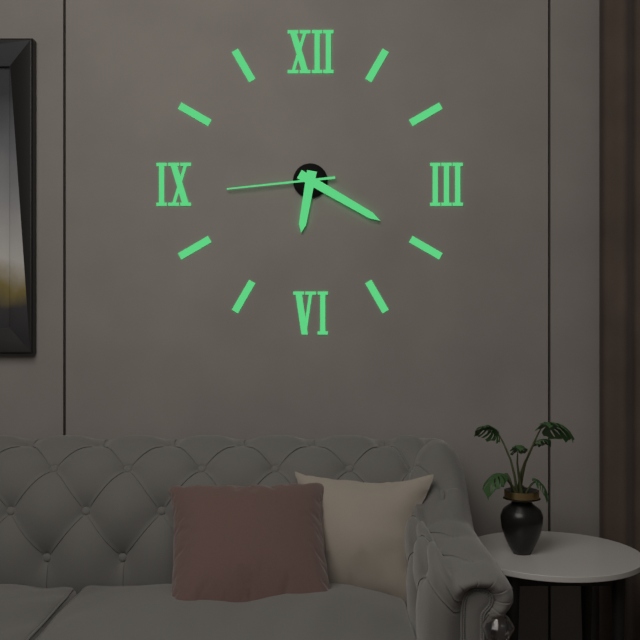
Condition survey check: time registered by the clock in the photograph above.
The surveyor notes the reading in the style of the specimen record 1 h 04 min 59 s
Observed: 6 h 20 min 44 s
